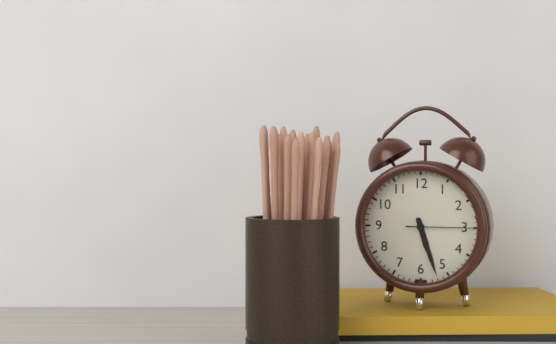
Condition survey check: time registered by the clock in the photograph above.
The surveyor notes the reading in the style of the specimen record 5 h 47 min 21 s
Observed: 5 h 27 min 15 s
